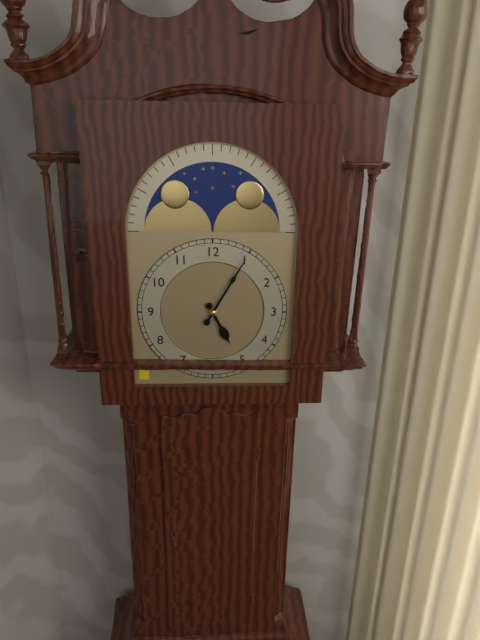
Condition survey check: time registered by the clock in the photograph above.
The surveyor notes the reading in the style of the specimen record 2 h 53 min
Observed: 5 h 05 min
